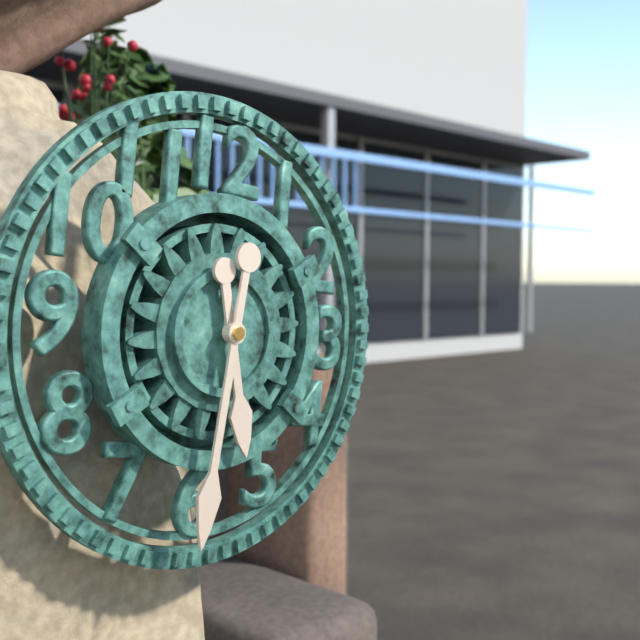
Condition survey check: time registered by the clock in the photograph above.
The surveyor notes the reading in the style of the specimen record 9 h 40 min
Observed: 5 h 31 min
